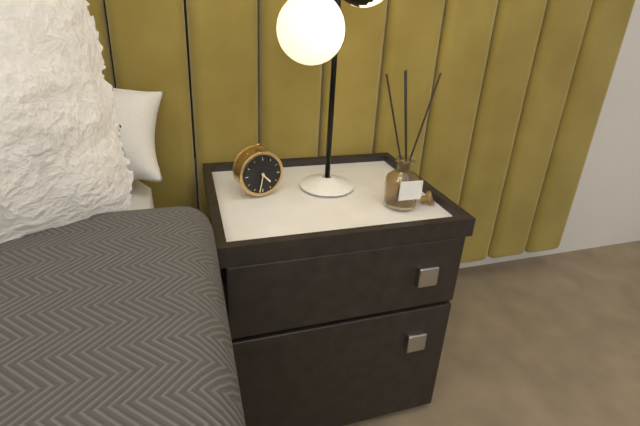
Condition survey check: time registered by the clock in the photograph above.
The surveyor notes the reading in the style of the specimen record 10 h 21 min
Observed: 4 h 32 min
